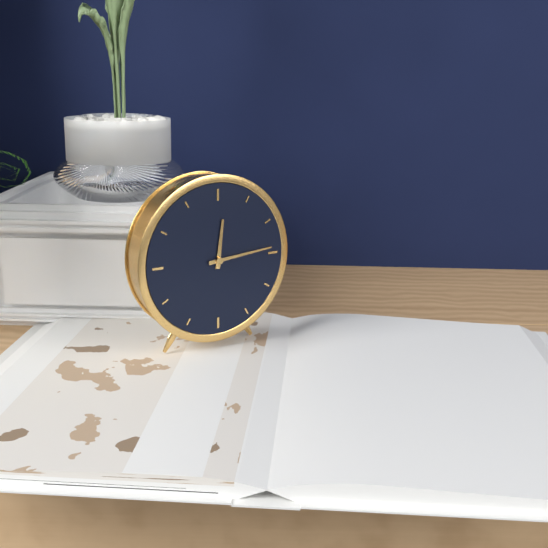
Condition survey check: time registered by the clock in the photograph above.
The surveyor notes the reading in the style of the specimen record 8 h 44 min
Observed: 12 h 14 min
